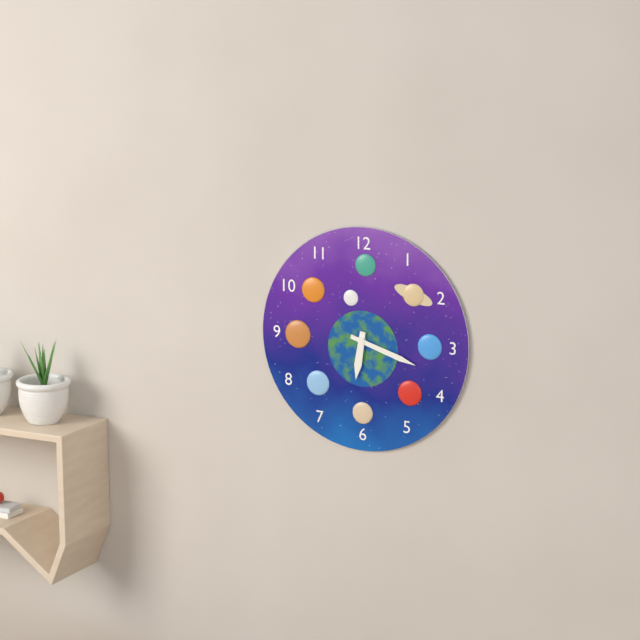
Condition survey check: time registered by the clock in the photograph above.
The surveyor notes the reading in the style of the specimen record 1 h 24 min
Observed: 6 h 18 min
